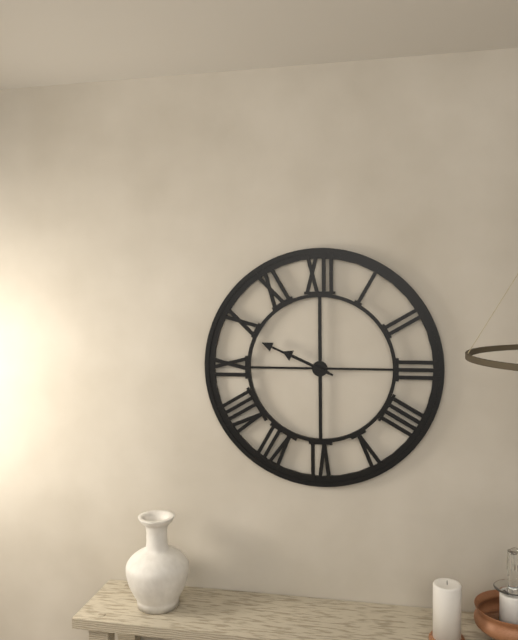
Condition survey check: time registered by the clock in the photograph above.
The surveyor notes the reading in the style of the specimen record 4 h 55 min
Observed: 9 h 49 min
